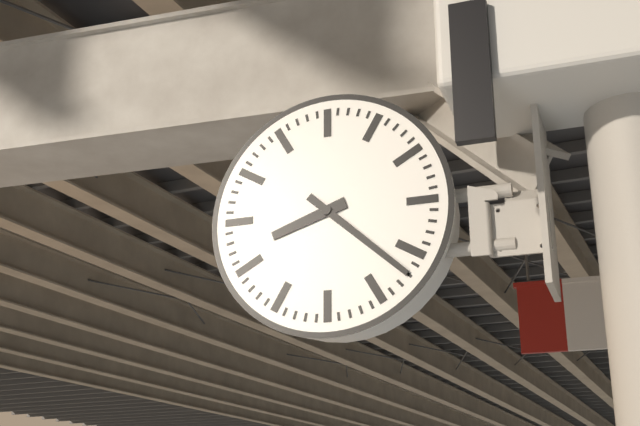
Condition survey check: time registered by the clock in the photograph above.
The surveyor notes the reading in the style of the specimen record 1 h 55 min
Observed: 8 h 22 min
